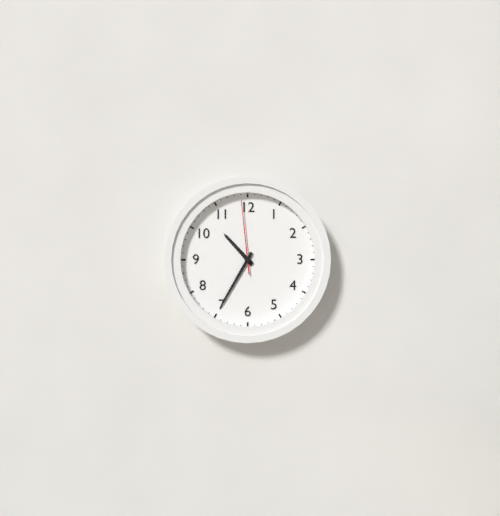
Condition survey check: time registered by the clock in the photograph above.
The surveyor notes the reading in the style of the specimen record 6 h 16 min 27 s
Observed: 10 h 35 min 59 s
